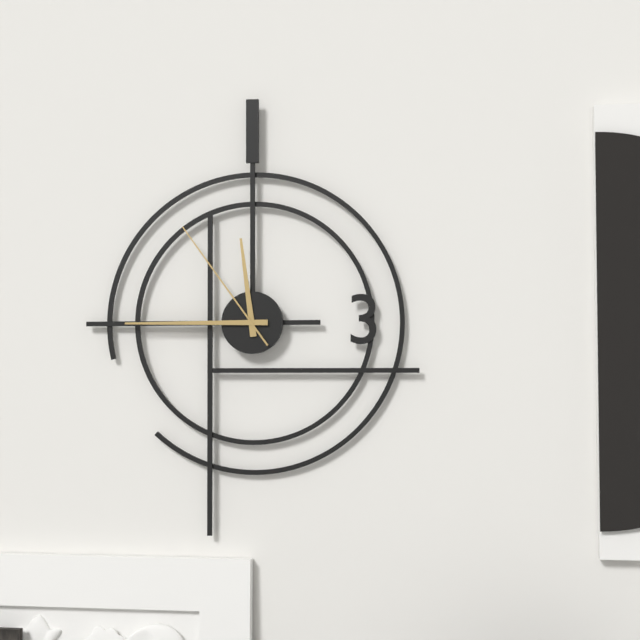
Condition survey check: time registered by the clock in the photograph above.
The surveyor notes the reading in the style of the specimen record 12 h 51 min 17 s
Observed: 11 h 45 min 54 s
